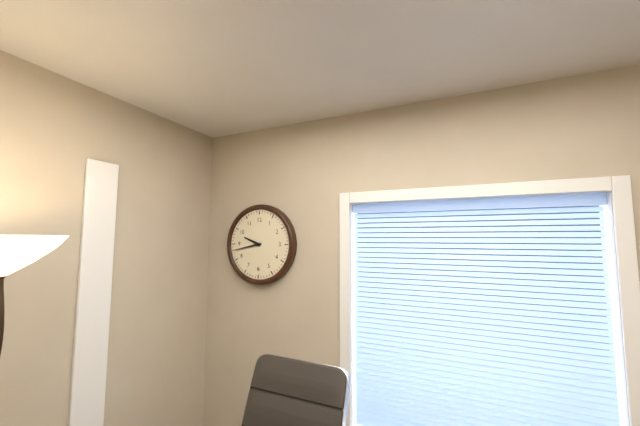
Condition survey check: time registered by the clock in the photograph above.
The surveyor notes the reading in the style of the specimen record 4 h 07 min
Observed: 9 h 43 min
